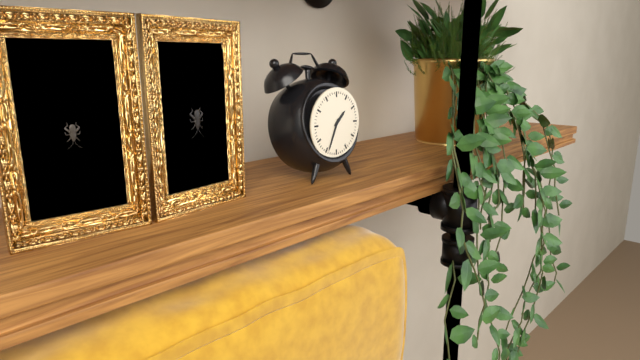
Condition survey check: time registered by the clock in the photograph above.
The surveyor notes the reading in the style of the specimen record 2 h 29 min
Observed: 1 h 34 min
